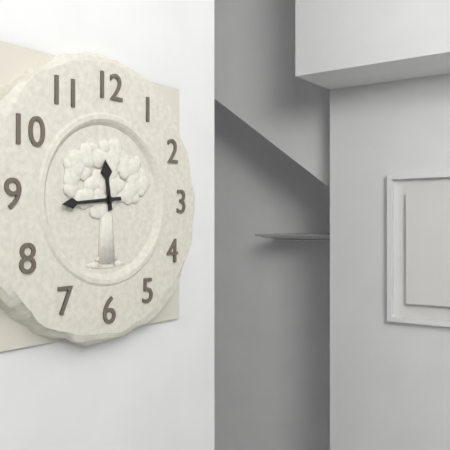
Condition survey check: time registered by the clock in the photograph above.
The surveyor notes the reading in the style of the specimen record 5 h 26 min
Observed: 11 h 44 min
